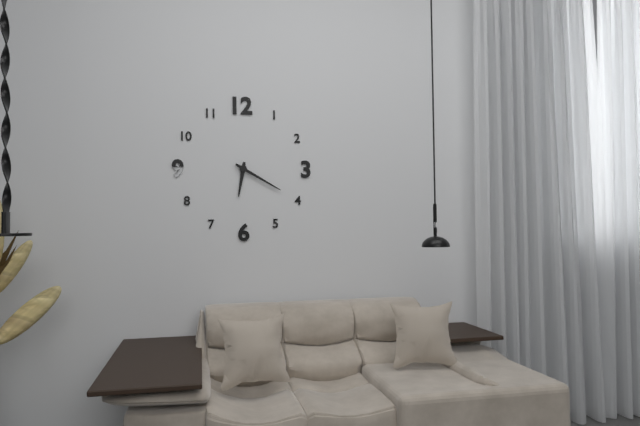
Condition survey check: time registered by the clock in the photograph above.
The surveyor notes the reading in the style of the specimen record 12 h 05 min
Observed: 6 h 20 min
